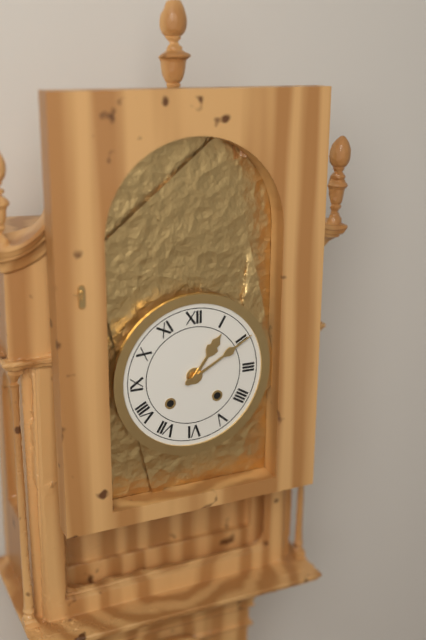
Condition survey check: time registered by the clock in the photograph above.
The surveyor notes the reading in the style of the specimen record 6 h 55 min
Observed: 1 h 10 min
